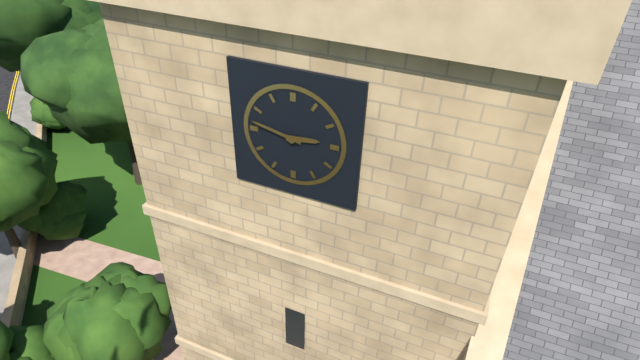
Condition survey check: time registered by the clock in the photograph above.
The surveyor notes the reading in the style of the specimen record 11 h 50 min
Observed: 2 h 47 min
